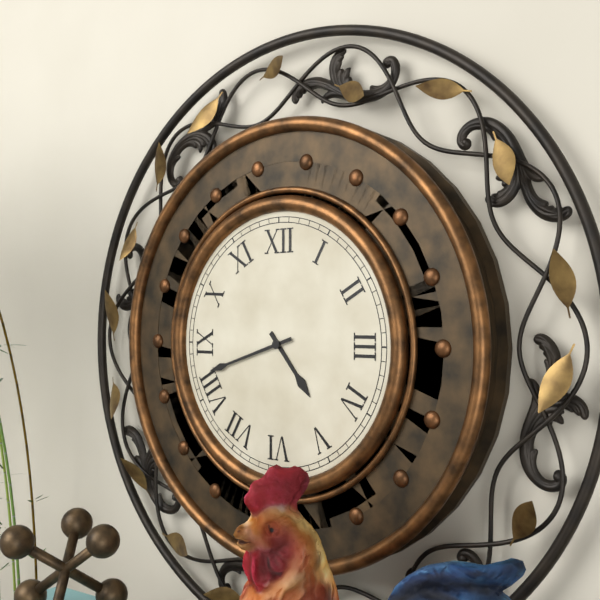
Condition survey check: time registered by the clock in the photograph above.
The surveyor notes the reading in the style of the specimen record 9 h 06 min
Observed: 4 h 42 min
